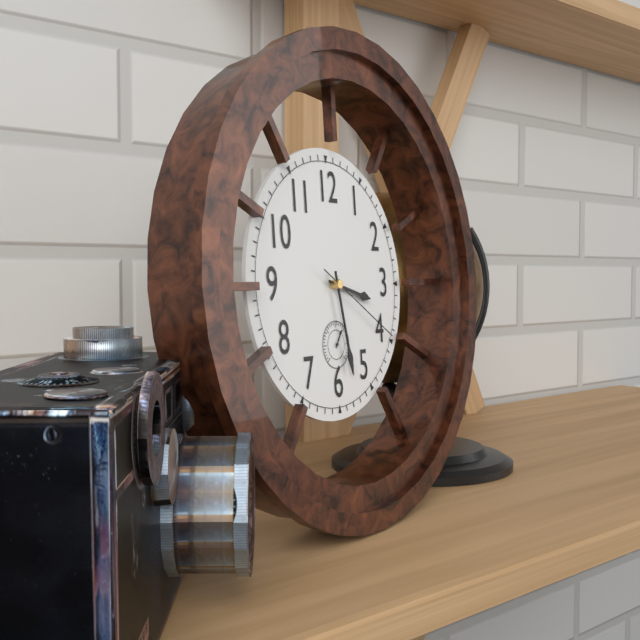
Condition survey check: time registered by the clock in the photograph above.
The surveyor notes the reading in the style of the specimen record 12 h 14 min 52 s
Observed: 3 h 28 min 20 s
